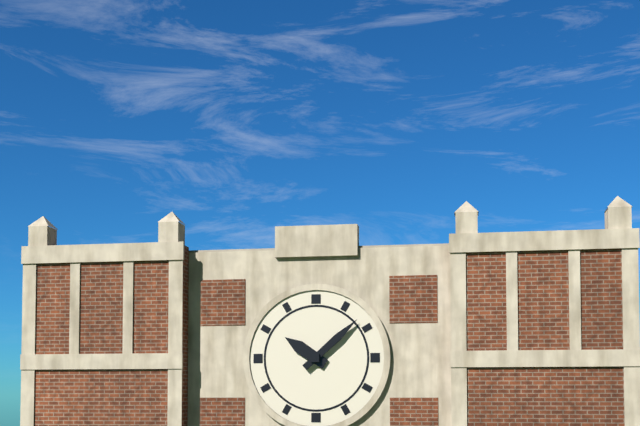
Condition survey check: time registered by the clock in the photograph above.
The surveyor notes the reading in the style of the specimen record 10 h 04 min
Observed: 10 h 08 min
